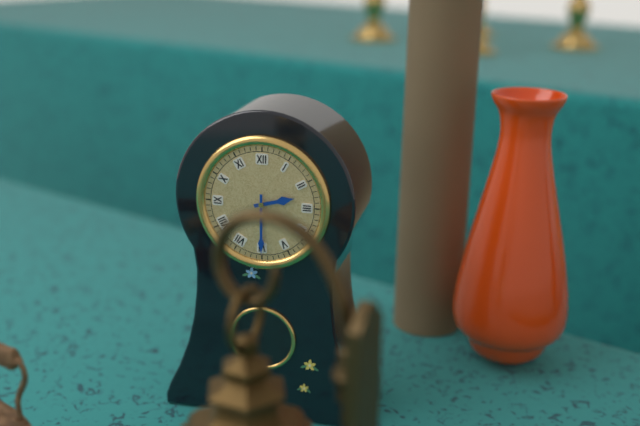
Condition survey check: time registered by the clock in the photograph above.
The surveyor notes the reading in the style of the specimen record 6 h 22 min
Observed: 2 h 30 min
